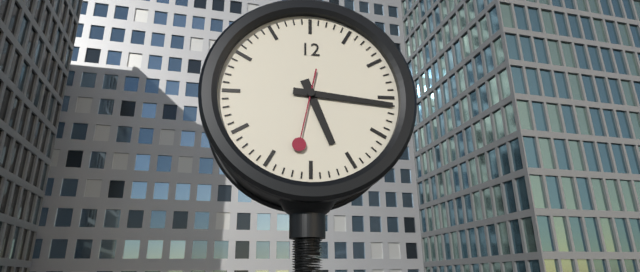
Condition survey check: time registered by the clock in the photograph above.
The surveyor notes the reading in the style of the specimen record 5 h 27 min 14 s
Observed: 5 h 16 min 32 s
